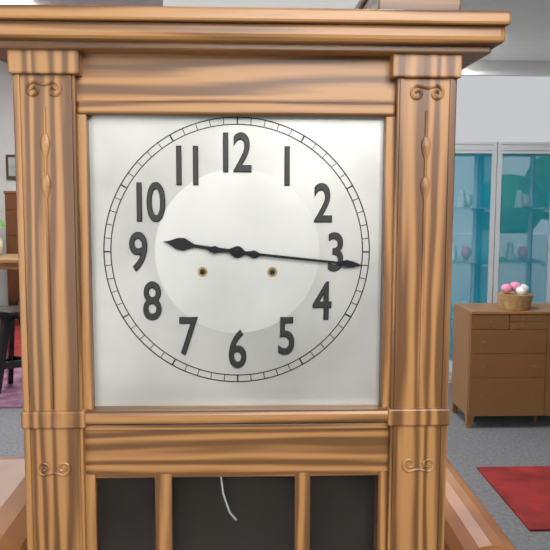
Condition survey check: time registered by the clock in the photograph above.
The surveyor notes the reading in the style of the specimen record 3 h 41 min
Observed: 9 h 16 min
